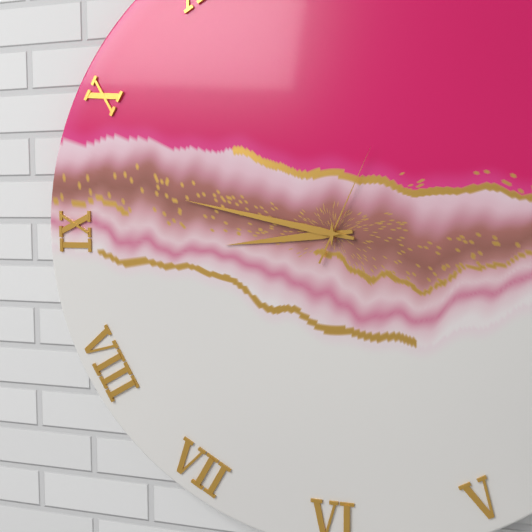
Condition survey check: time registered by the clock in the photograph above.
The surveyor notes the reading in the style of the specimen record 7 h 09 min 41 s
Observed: 8 h 47 min 04 s
